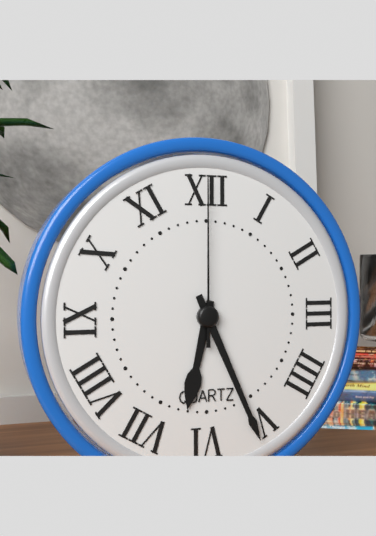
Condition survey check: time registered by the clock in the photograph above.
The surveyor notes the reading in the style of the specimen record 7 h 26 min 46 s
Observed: 6 h 26 min 00 s
